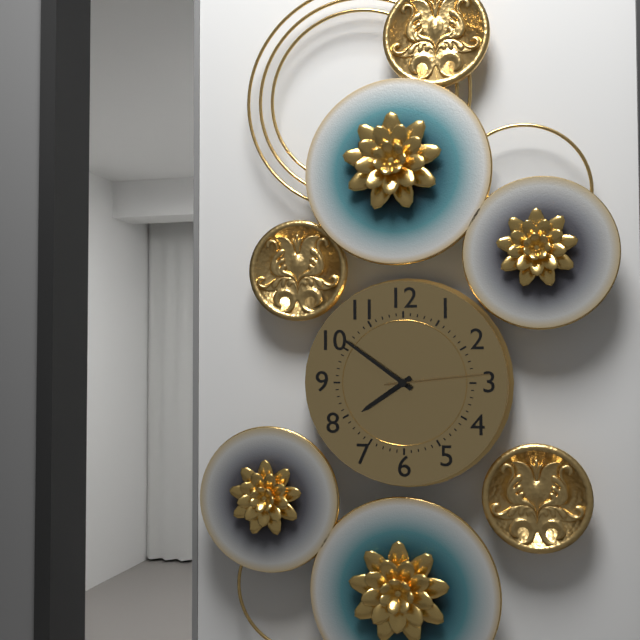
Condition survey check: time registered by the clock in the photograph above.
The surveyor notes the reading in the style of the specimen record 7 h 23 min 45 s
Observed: 7 h 51 min 14 s
